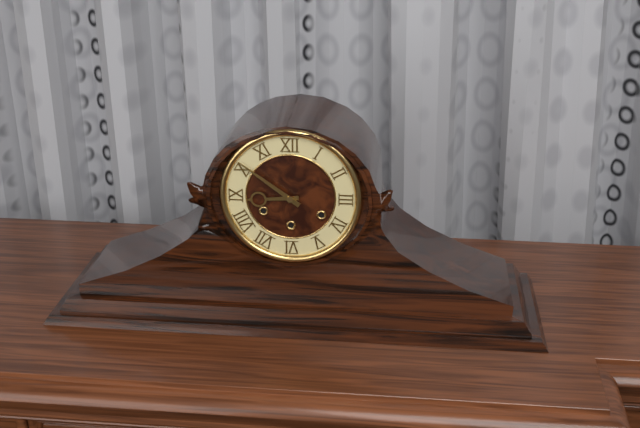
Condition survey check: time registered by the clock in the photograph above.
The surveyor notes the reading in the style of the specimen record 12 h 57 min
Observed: 8 h 51 min
